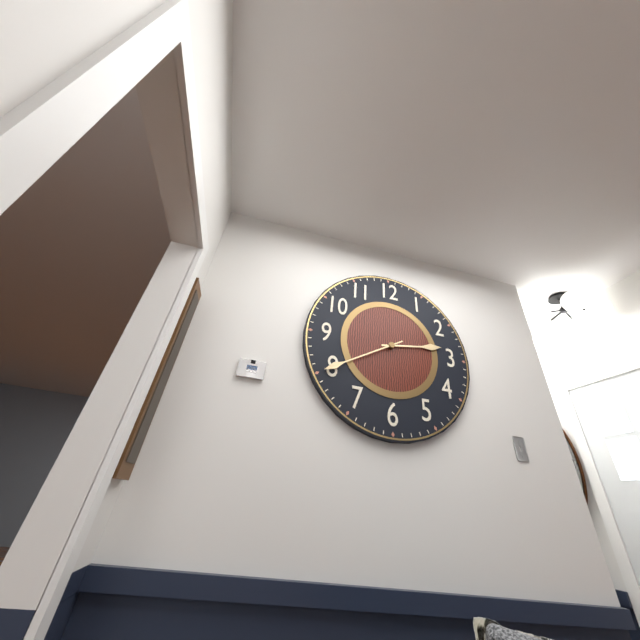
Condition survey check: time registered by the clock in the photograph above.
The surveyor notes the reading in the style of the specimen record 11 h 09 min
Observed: 2 h 40 min
